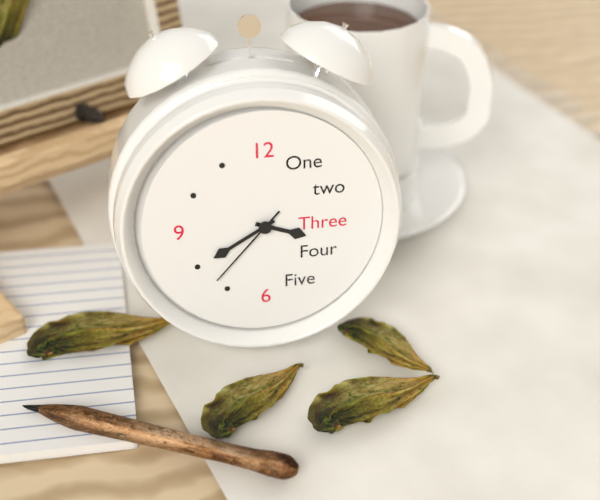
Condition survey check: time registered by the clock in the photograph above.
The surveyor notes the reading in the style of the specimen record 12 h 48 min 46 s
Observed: 3 h 40 min 37 s
